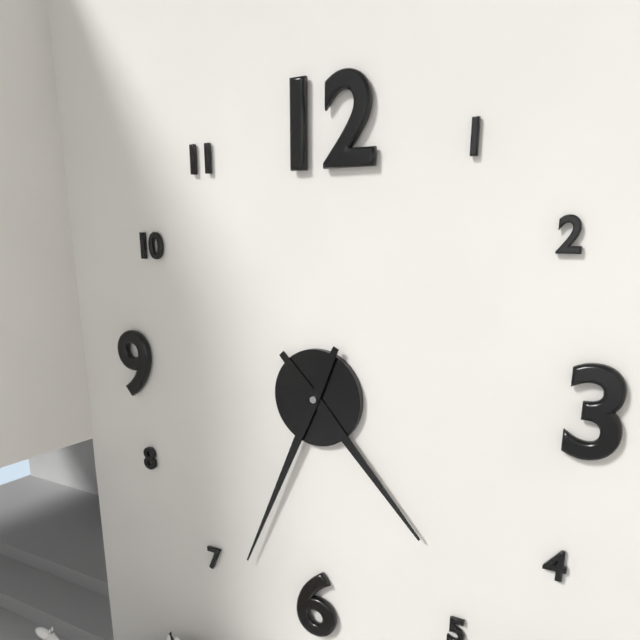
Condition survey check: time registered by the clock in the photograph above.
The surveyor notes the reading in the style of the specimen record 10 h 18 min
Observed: 4 h 34 min
